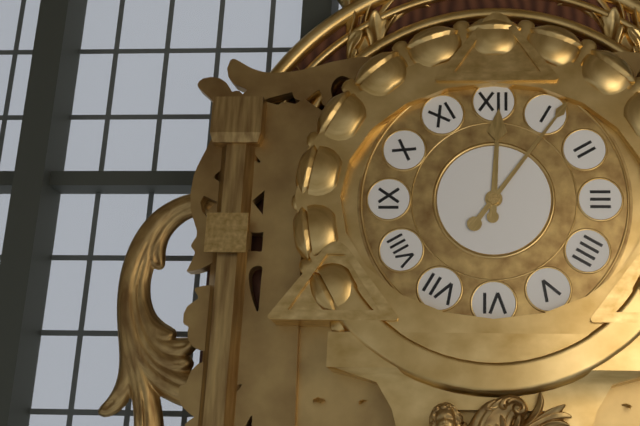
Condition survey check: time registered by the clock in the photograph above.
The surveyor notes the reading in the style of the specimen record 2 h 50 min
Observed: 12 h 06 min
